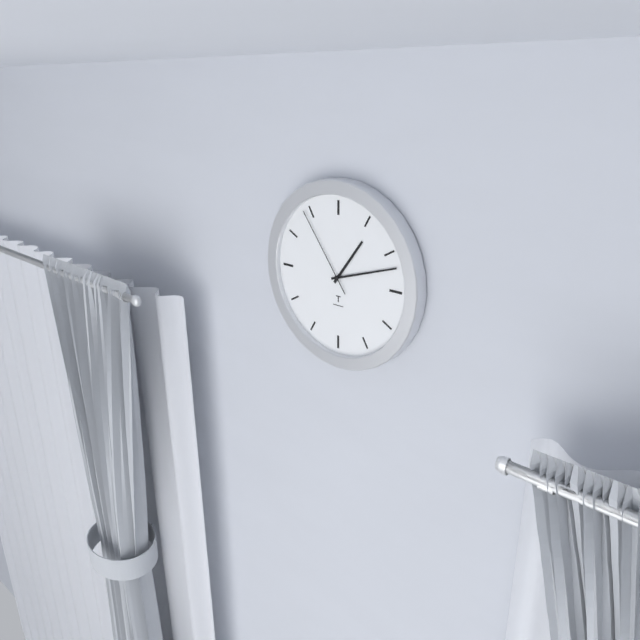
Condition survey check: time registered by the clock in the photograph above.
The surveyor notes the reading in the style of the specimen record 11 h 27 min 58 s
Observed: 1 h 12 min 54 s
